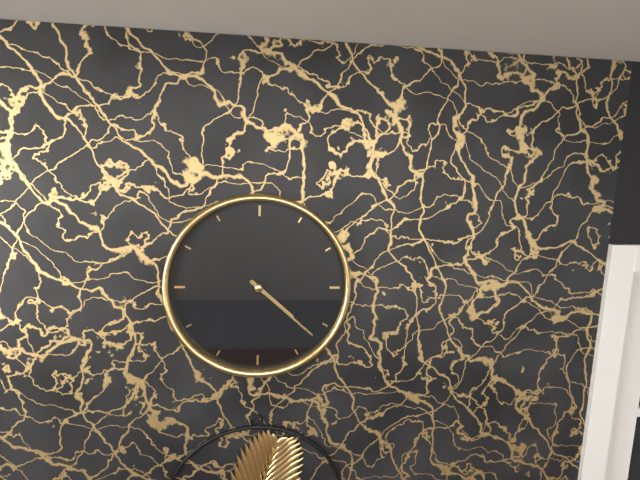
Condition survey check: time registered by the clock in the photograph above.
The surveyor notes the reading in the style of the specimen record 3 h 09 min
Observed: 4 h 22 min
